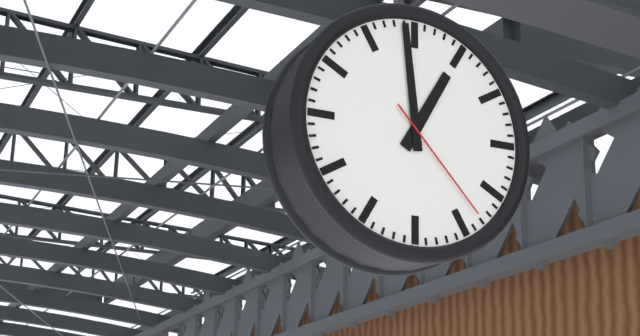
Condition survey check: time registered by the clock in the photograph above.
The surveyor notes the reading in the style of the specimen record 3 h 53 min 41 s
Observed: 12 h 59 min 23 s
